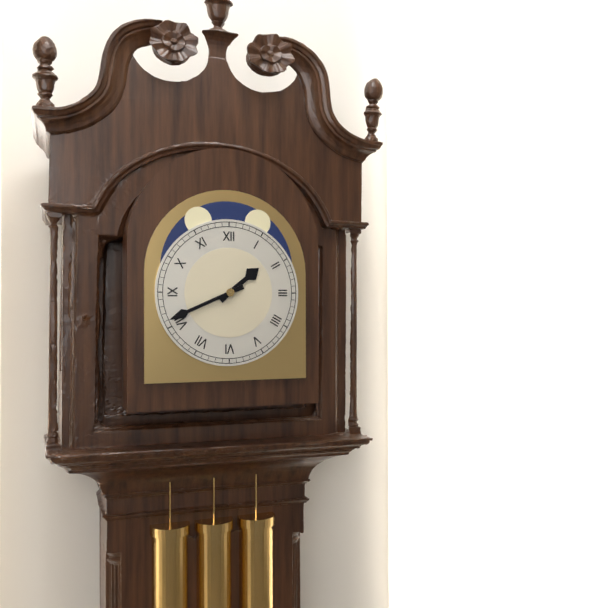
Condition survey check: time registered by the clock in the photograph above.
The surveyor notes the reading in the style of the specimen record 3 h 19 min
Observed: 1 h 41 min
